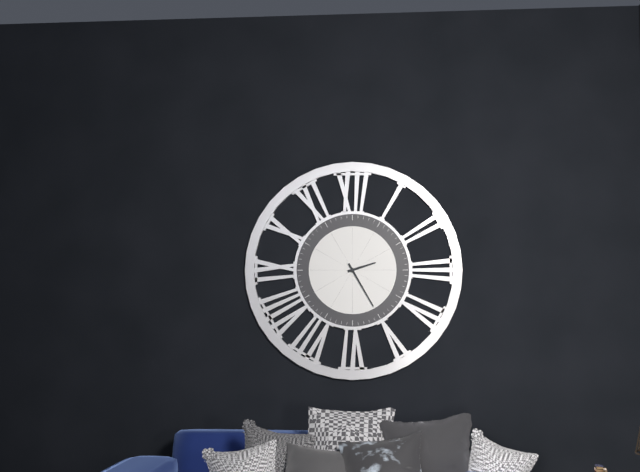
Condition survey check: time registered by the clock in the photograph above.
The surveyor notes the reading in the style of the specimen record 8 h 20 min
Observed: 2 h 25 min
